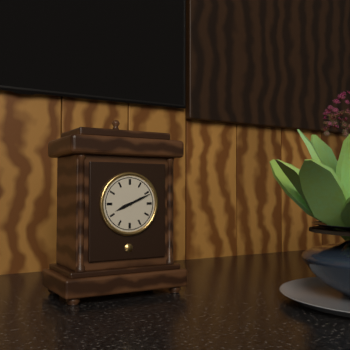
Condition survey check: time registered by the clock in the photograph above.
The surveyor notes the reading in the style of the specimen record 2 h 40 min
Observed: 8 h 11 min
